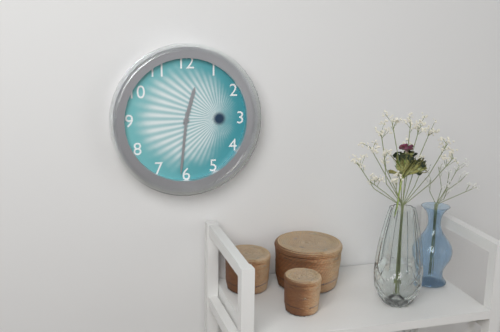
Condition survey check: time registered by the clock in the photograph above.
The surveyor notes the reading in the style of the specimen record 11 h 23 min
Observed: 12 h 31 min
